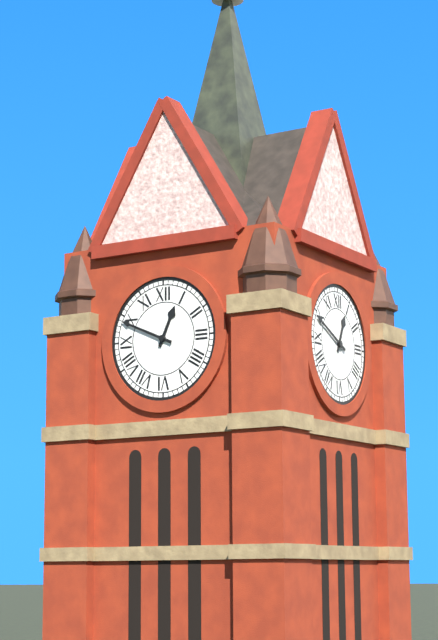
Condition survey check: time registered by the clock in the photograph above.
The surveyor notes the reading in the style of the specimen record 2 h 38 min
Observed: 12 h 49 min
